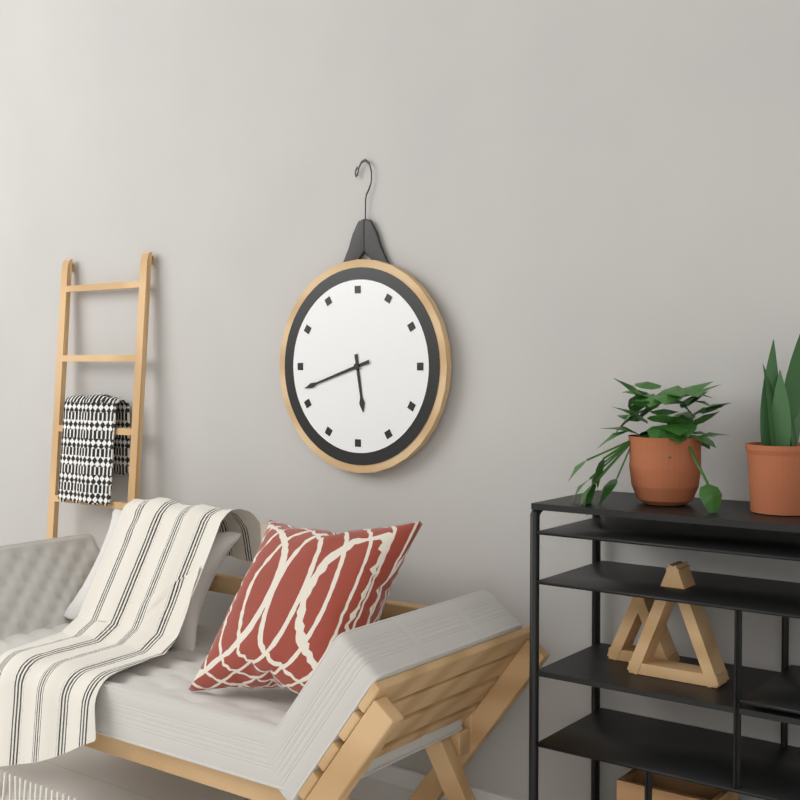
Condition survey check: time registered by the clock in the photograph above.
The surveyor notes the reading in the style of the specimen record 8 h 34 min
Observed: 5 h 42 min
